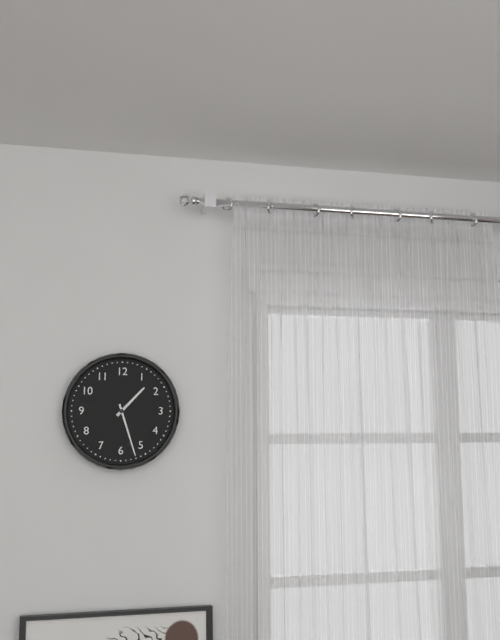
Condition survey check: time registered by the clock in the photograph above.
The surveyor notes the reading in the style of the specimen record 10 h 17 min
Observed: 1 h 27 min
